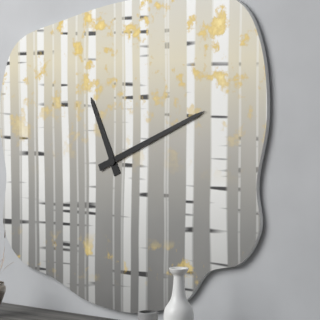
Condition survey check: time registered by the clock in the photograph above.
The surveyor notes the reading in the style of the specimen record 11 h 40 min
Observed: 11 h 11 min
